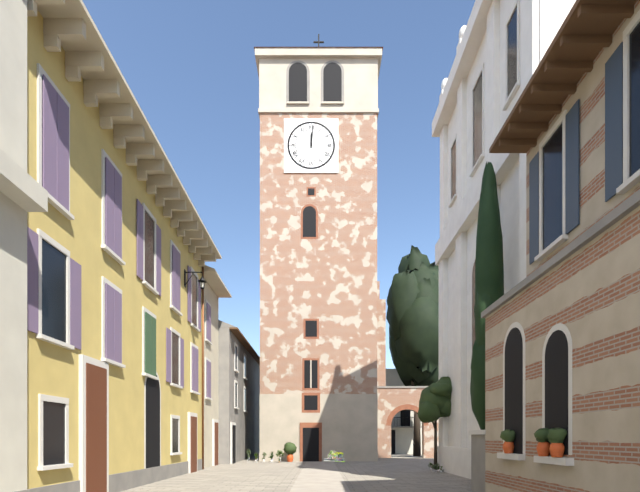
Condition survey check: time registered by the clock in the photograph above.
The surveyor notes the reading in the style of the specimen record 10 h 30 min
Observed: 12 h 01 min
